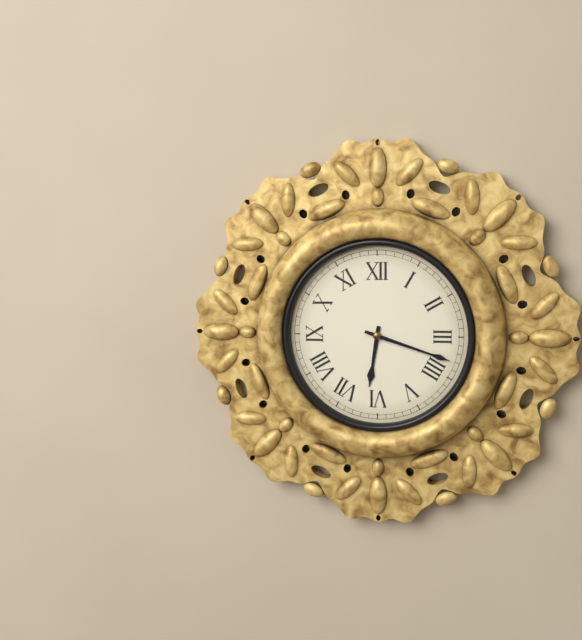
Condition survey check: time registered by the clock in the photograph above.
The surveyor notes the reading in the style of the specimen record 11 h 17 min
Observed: 6 h 18 min
